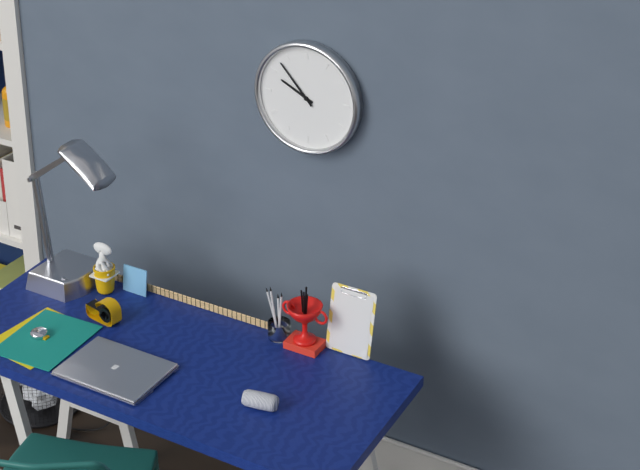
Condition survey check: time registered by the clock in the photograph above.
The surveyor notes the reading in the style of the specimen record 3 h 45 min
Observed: 9 h 53 min
